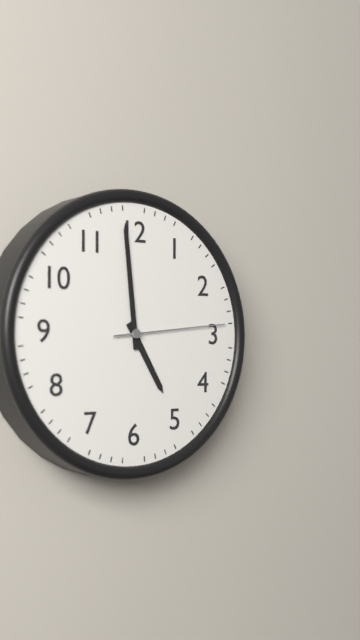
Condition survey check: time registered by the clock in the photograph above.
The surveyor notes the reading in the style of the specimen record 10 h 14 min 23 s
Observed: 4 h 59 min 14 s
